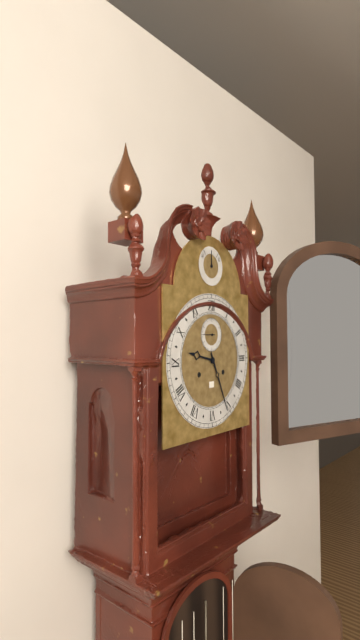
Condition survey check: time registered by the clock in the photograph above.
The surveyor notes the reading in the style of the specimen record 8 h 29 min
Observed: 9 h 26 min
